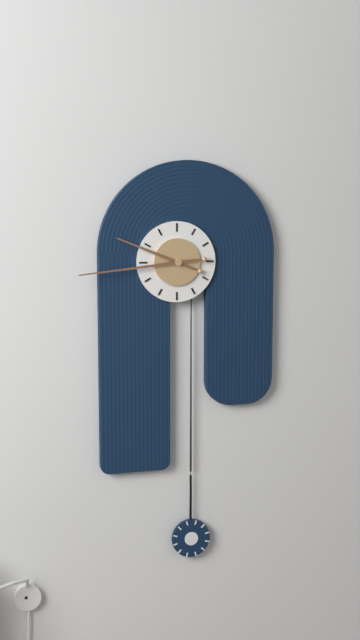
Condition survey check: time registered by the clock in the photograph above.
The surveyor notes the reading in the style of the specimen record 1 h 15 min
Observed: 9 h 44 min
